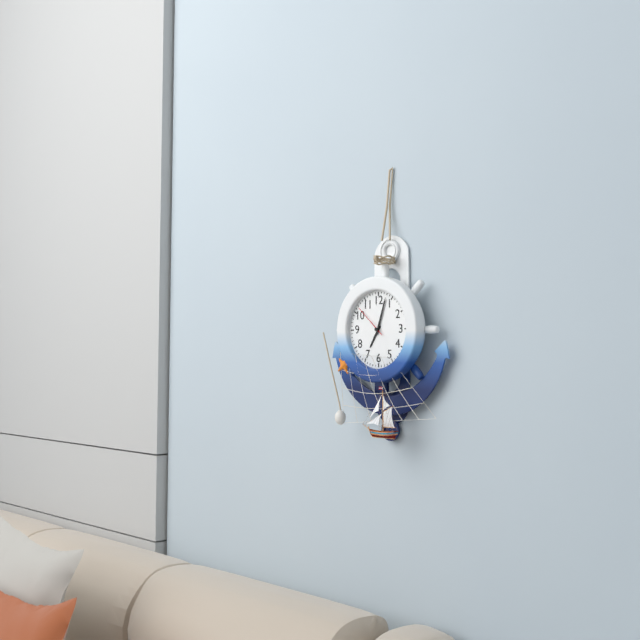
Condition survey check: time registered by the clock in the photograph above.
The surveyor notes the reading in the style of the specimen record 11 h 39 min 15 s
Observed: 7 h 03 min 52 s
